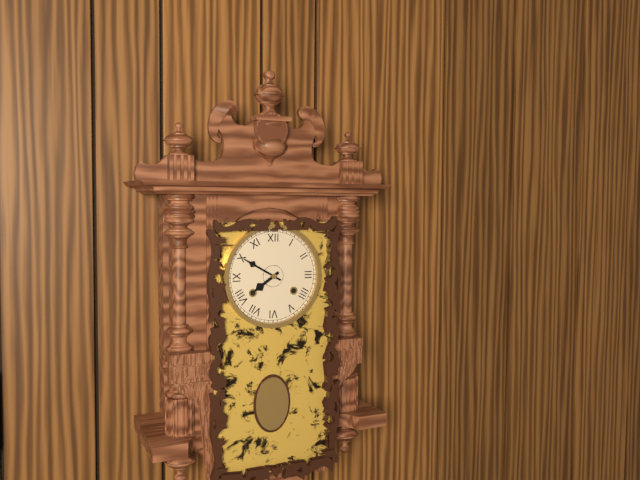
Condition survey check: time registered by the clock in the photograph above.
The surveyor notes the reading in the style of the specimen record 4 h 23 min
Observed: 7 h 50 min
